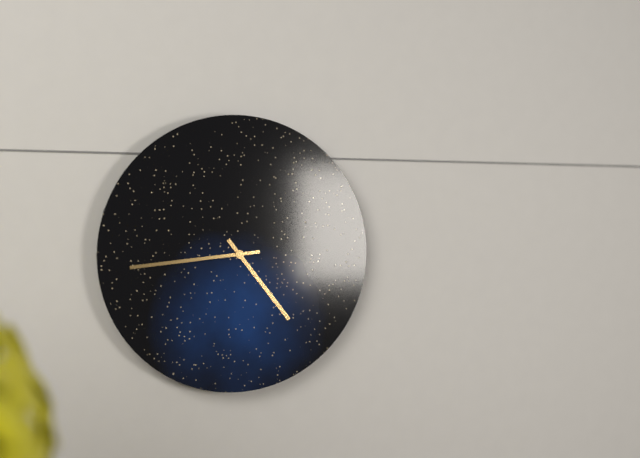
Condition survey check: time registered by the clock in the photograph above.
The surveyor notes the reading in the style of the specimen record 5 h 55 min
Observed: 4 h 44 min
